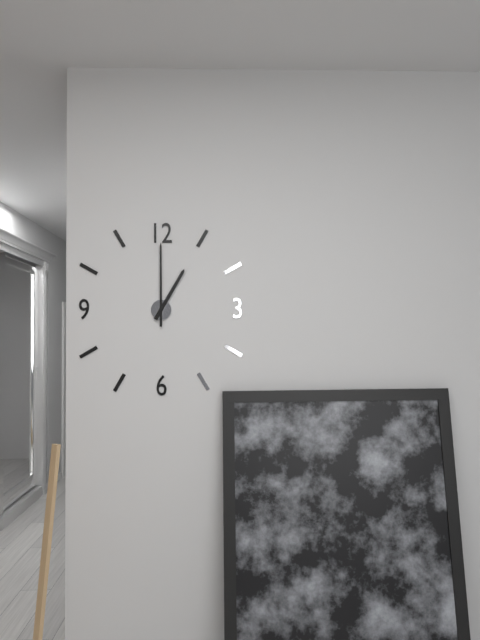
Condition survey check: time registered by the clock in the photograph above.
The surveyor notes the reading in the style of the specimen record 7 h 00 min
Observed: 1 h 00 min
